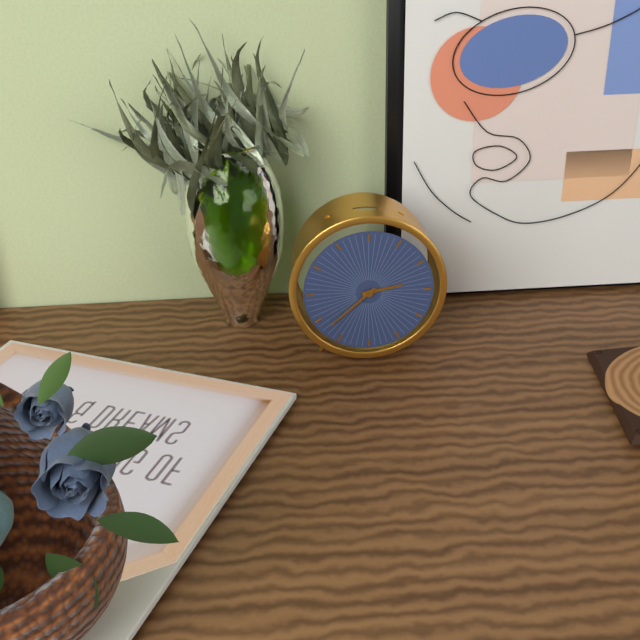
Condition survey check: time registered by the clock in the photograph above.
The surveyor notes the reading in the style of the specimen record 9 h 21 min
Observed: 2 h 38 min
